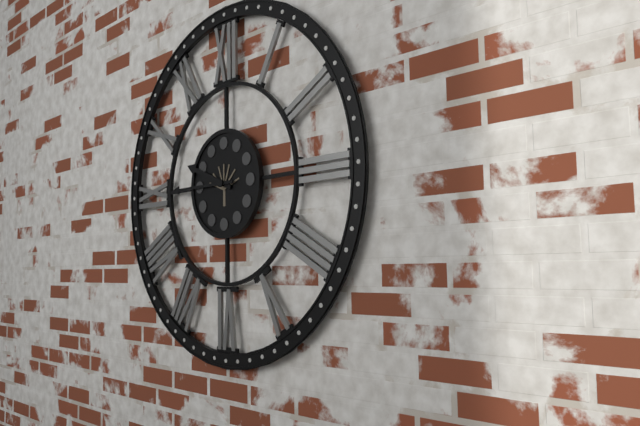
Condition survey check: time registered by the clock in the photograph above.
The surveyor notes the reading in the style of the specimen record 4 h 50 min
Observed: 9 h 45 min
